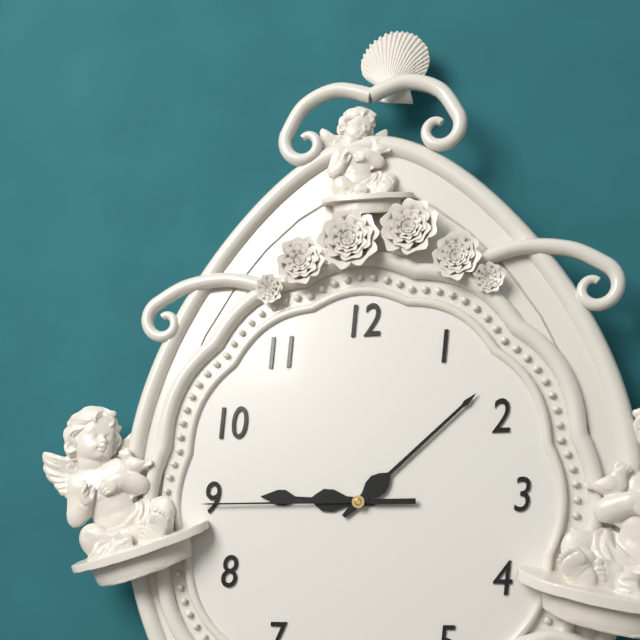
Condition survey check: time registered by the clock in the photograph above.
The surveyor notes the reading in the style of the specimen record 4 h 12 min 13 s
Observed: 9 h 08 min 45 s
